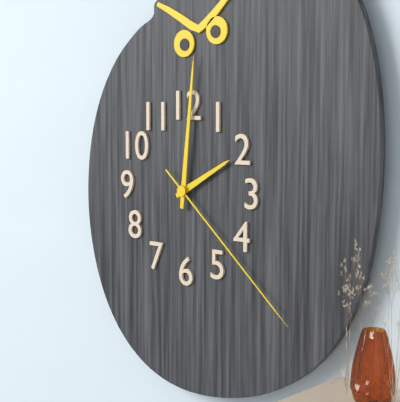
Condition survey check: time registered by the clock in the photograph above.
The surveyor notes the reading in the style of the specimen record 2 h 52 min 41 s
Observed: 2 h 01 min 22 s
